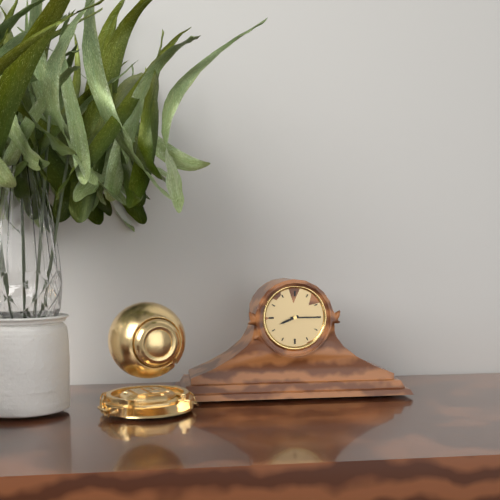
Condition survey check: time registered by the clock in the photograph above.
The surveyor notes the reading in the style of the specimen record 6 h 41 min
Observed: 8 h 15 min
